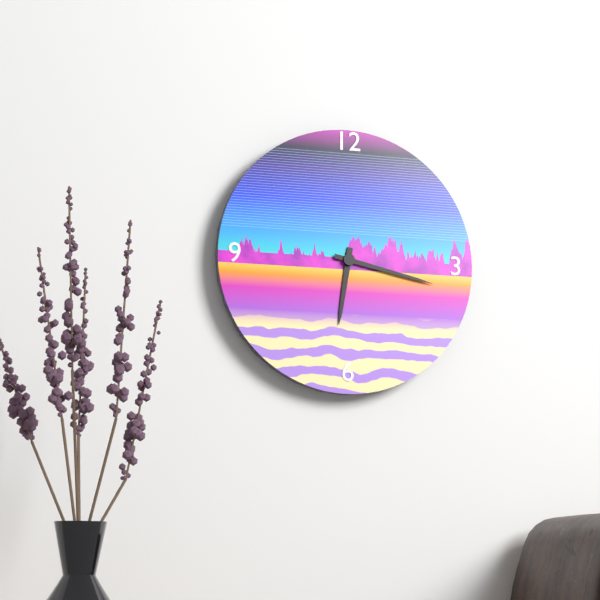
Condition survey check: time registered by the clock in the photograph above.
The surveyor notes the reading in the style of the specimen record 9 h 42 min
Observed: 6 h 17 min
